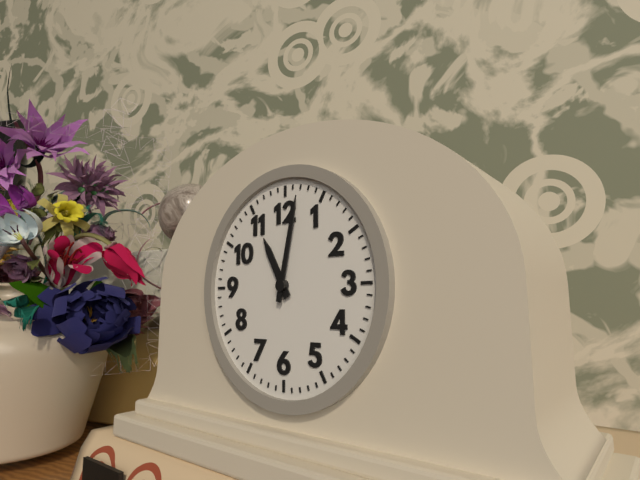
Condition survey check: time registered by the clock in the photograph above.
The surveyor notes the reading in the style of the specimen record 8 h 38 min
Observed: 11 h 02 min
